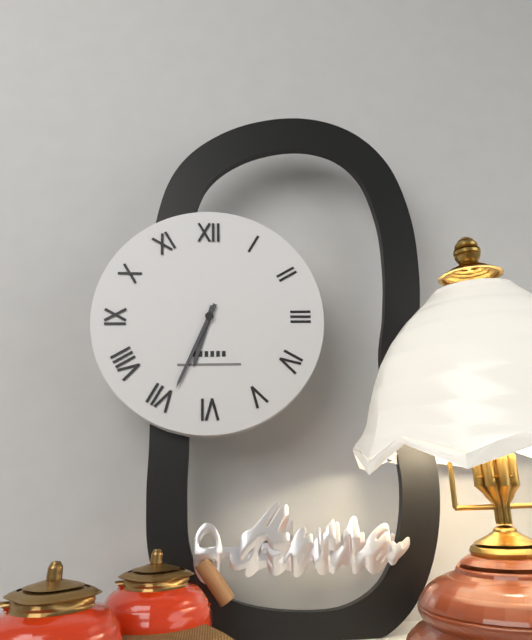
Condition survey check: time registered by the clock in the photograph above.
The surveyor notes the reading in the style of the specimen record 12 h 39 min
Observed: 6 h 34 min
